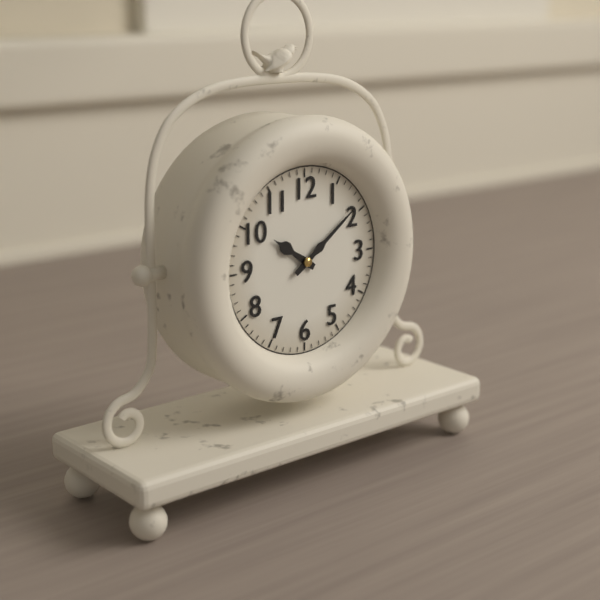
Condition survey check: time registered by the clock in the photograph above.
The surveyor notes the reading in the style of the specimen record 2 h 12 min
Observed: 10 h 09 min
